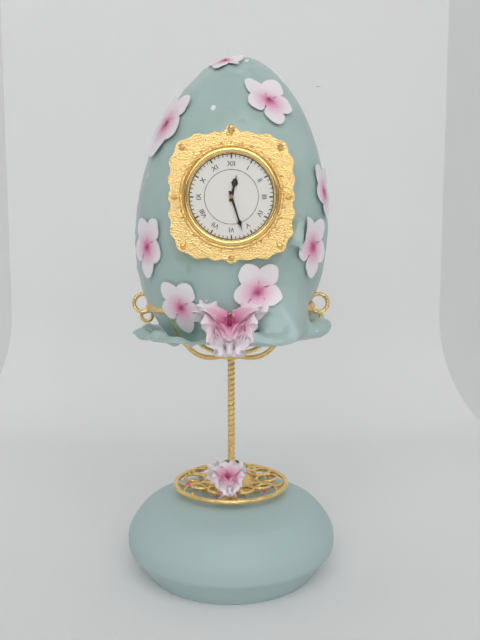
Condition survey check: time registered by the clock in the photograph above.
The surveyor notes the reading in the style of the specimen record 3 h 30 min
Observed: 12 h 27 min
